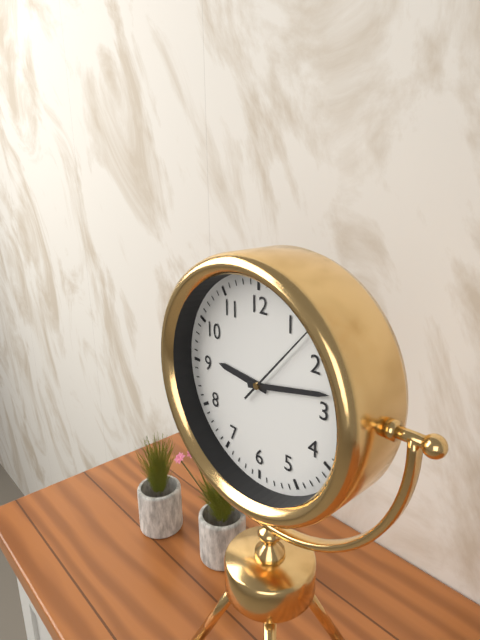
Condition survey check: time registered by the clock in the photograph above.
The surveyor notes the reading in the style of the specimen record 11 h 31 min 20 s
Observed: 9 h 13 min 07 s
